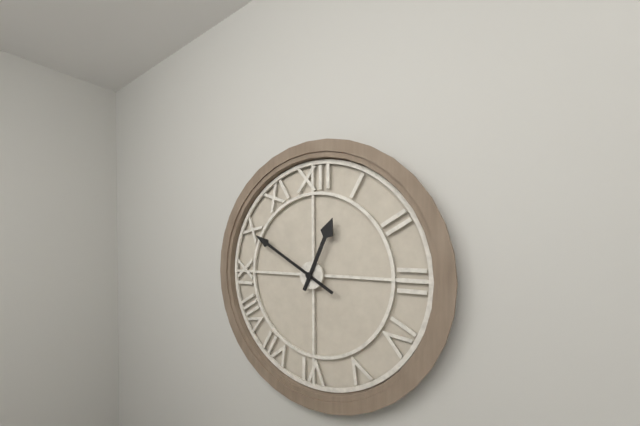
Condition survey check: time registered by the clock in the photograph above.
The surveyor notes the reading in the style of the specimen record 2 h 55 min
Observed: 12 h 50 min
